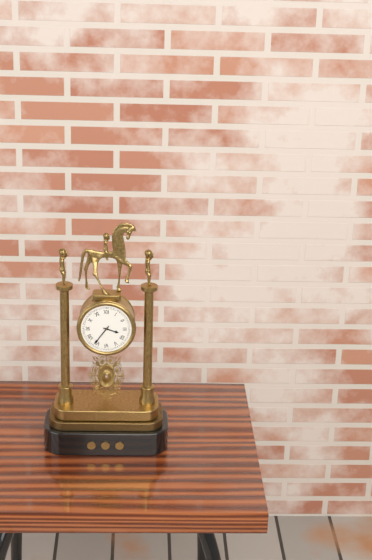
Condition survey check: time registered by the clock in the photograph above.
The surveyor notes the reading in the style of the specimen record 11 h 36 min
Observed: 3 h 36 min
